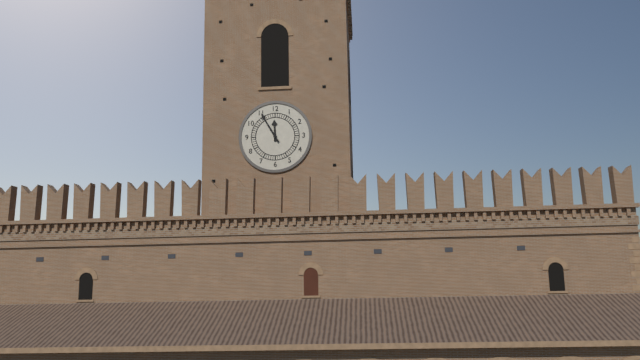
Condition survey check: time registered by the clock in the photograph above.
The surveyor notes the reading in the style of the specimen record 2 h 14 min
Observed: 11 h 55 min
